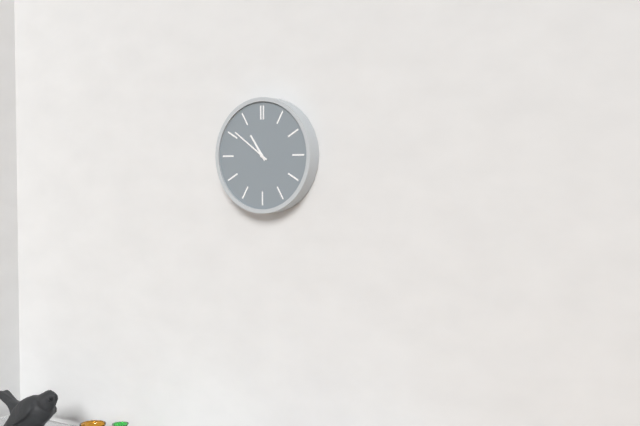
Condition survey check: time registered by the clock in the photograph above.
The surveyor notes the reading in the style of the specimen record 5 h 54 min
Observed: 10 h 51 min
